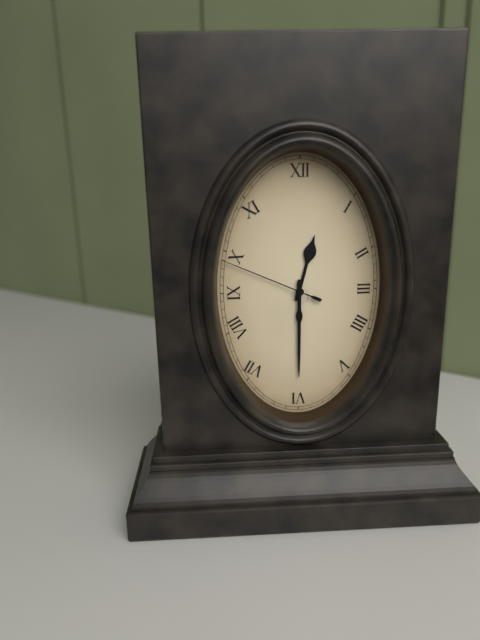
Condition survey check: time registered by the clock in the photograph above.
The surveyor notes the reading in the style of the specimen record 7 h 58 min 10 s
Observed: 12 h 30 min 49 s
